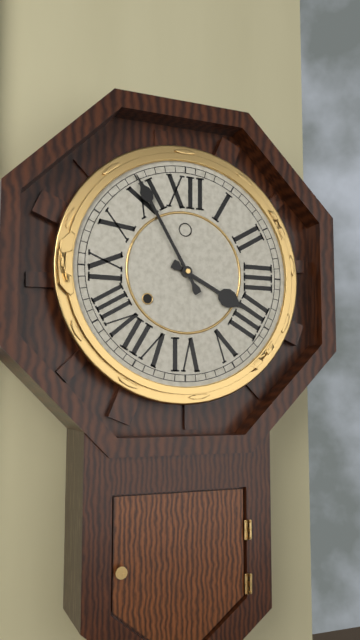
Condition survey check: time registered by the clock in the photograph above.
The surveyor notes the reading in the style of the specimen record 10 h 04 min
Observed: 3 h 55 min
